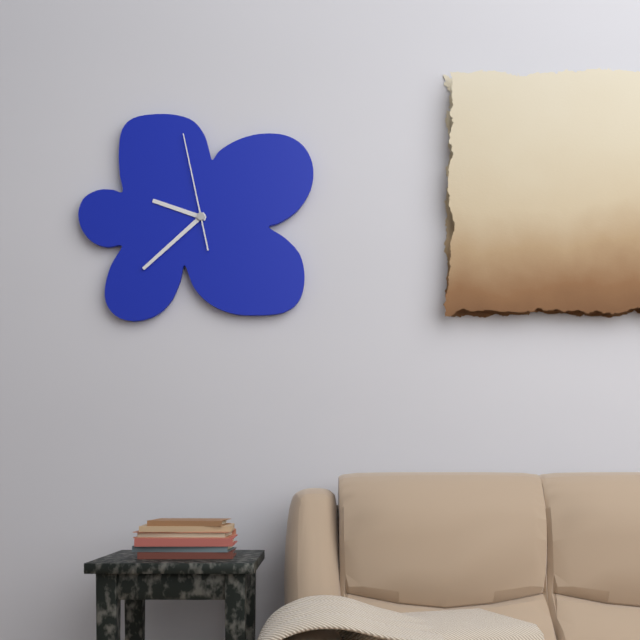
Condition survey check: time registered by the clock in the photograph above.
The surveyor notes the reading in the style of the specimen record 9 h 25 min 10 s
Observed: 9 h 38 min 58 s
